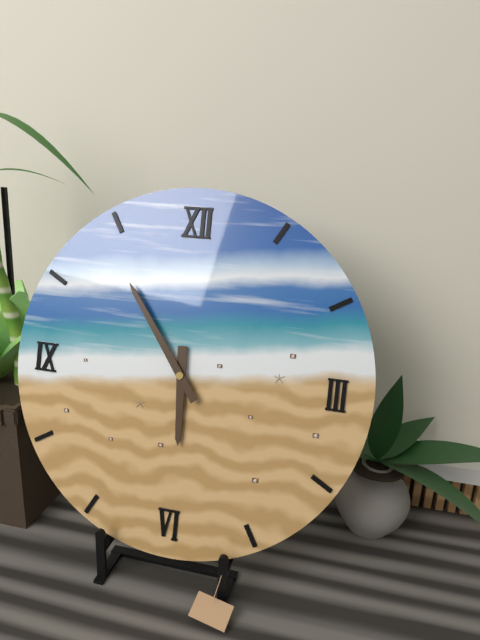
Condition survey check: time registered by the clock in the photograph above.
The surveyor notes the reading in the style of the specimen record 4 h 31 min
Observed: 5 h 54 min
